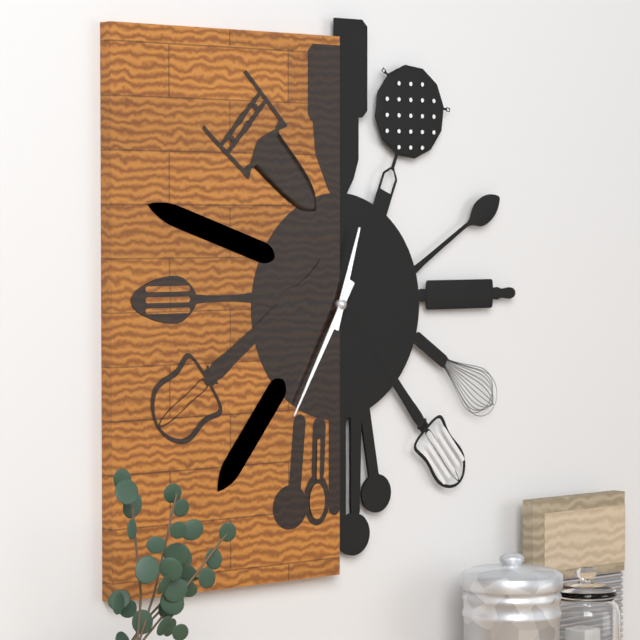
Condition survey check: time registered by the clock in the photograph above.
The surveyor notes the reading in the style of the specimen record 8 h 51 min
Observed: 12 h 35 min
